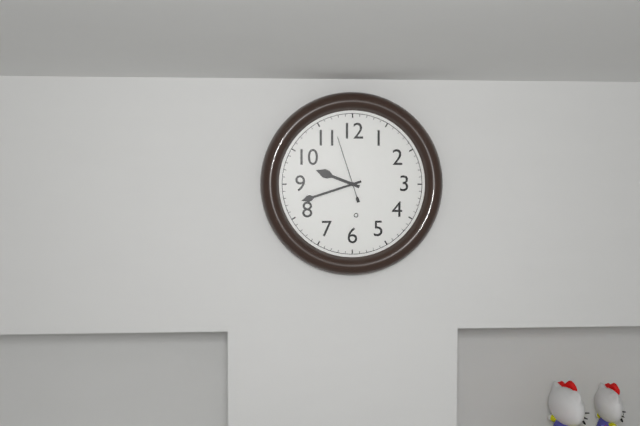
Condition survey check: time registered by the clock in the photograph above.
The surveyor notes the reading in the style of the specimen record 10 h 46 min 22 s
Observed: 9 h 42 min 57 s
